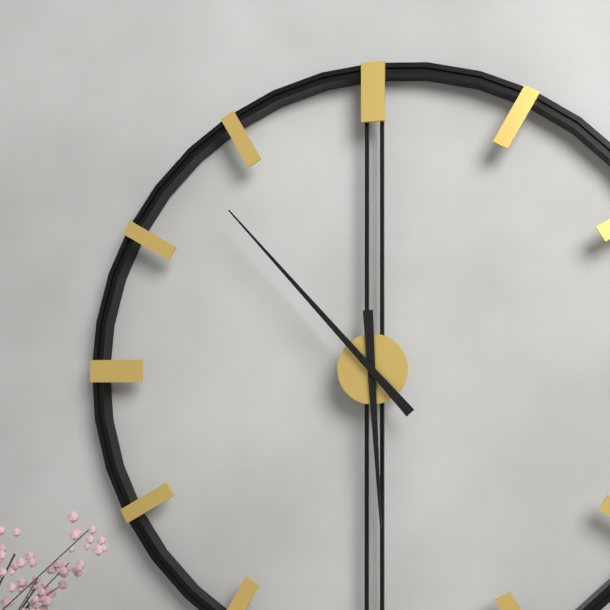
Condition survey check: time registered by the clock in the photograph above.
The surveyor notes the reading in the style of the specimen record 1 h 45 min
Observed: 5 h 53 min
